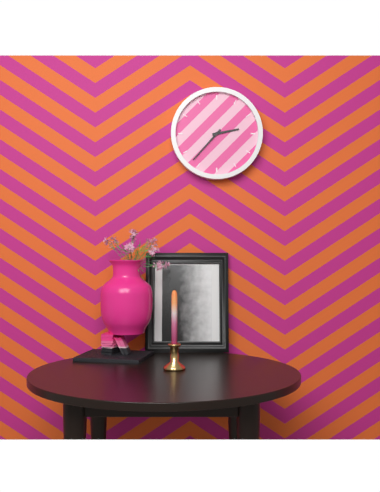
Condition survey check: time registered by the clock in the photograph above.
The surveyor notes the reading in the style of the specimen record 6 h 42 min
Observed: 2 h 37 min
